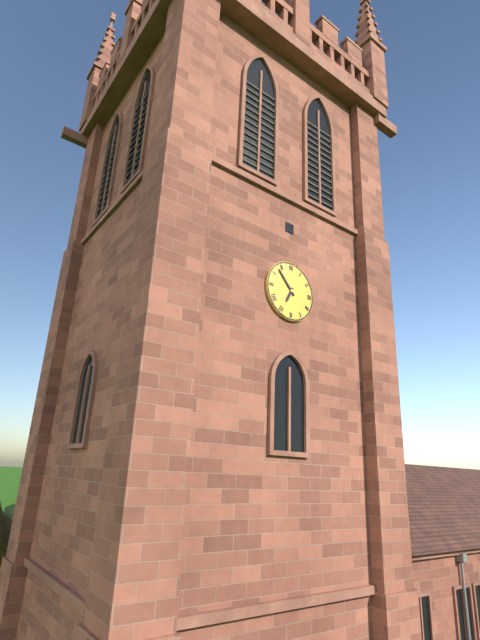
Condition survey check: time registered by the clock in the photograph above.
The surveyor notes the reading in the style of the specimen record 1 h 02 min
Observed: 6 h 53 min
